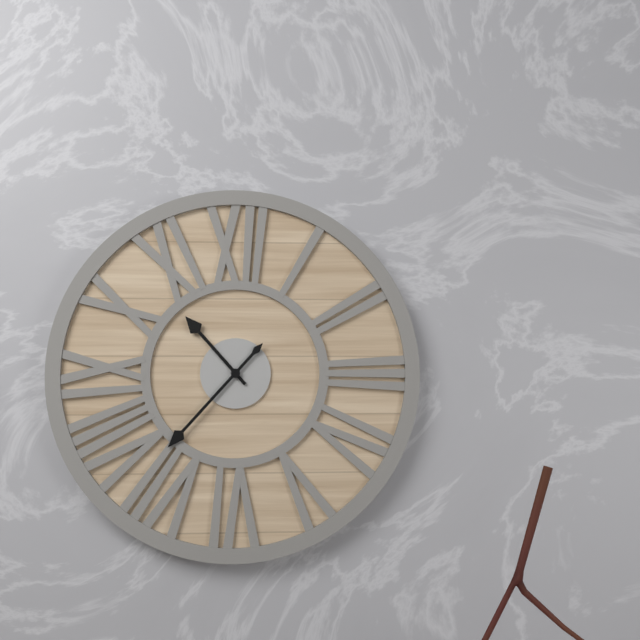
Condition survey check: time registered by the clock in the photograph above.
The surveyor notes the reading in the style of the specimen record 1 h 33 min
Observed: 10 h 37 min
